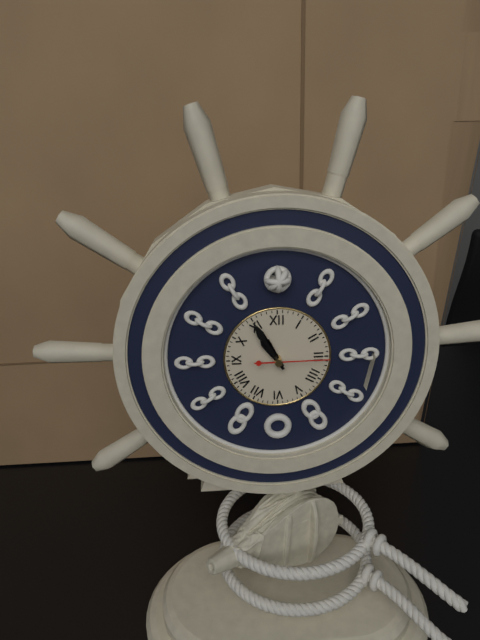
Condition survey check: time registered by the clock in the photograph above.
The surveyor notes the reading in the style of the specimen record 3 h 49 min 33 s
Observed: 10 h 55 min 15 s
